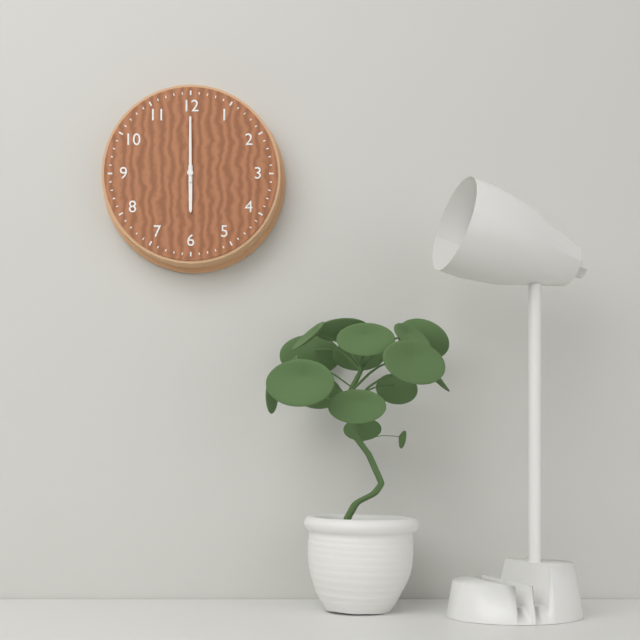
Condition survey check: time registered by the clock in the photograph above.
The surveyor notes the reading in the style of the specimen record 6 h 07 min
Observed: 6 h 00 min
